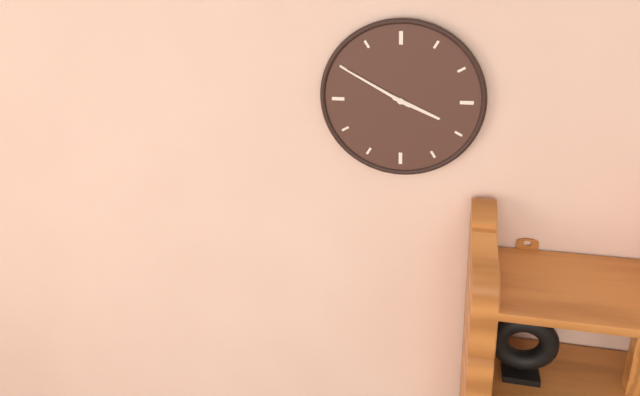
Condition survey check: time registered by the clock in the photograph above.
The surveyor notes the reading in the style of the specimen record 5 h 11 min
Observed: 3 h 50 min
